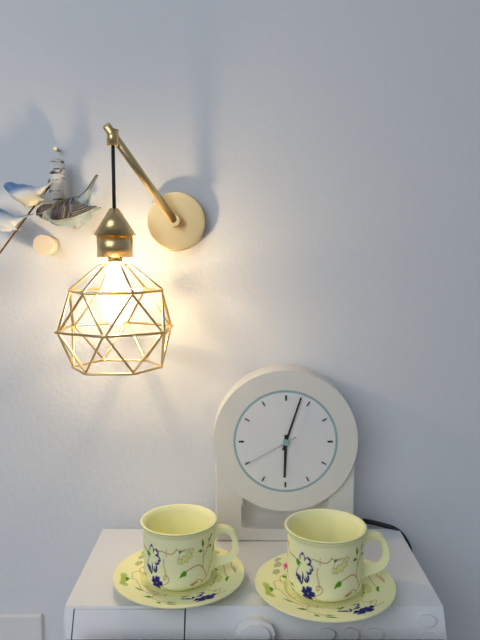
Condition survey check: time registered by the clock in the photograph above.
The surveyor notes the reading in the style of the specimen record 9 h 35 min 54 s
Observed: 6 h 03 min 40 s
